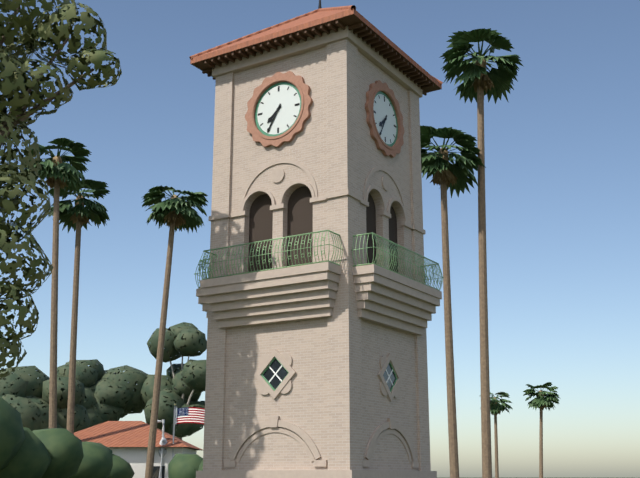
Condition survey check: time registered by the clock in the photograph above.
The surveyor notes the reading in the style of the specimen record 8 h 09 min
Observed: 7 h 35 min
